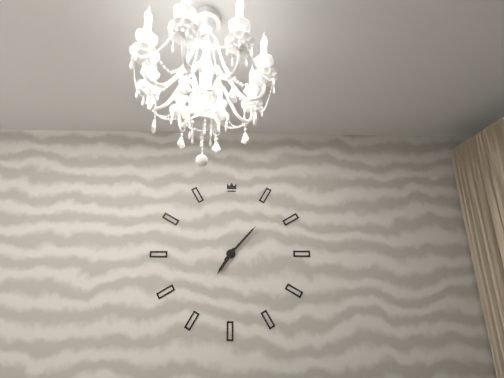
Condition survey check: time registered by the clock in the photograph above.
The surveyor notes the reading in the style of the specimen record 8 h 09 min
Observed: 7 h 07 min
